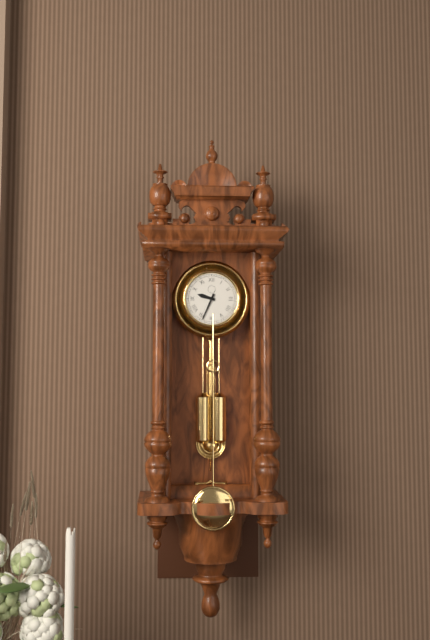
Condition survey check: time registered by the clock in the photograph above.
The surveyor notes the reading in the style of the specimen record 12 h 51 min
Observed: 9 h 34 min
